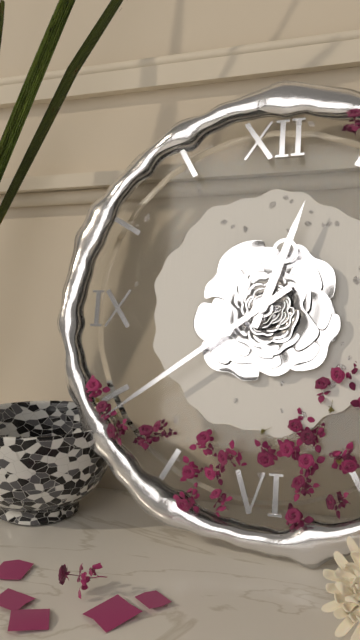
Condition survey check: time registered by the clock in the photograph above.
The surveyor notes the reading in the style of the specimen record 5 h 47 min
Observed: 12 h 39 min
